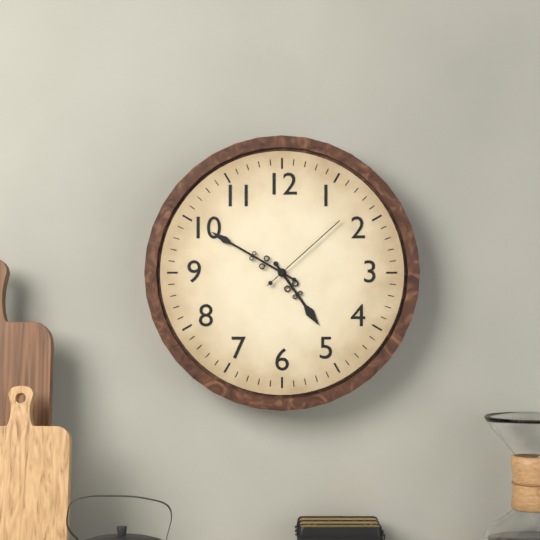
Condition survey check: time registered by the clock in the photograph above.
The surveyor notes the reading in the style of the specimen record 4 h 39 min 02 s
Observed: 4 h 50 min 08 s
